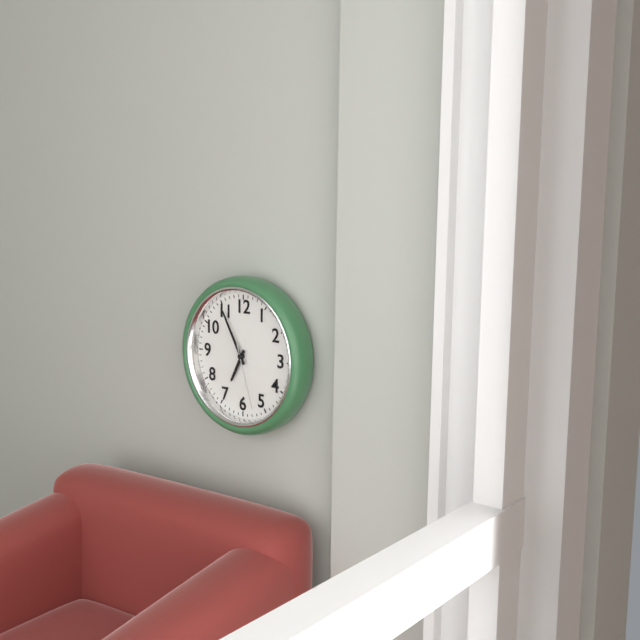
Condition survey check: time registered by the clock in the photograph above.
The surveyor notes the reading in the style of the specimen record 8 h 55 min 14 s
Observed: 6 h 55 min 27 s
